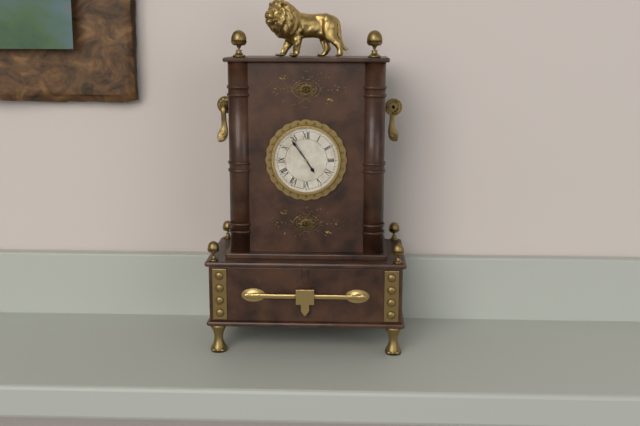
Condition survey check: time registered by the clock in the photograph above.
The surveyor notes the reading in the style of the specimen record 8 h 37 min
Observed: 4 h 54 min
